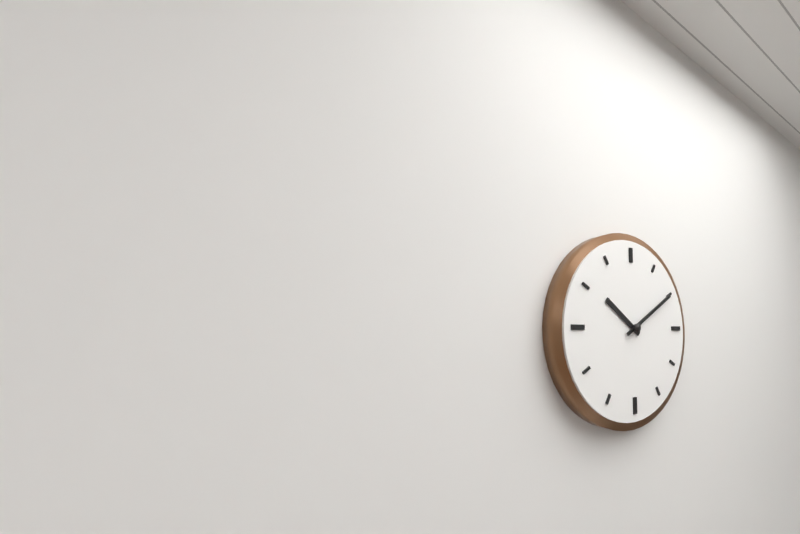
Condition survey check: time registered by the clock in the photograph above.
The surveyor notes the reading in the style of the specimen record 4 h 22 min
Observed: 10 h 10 min
